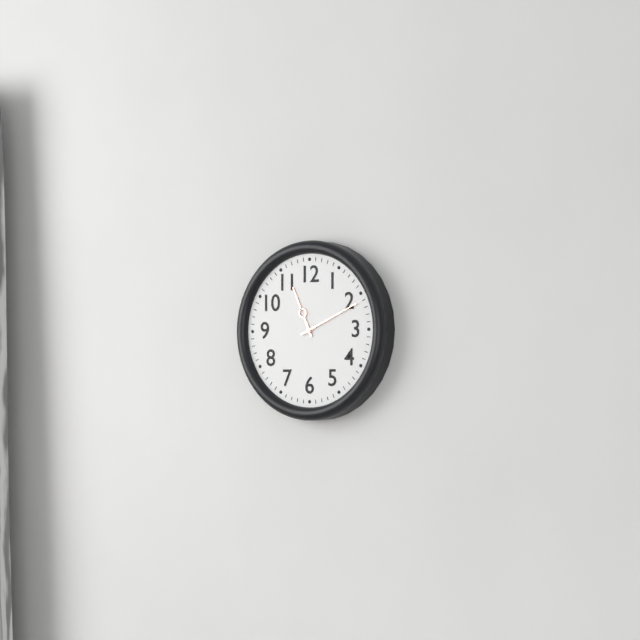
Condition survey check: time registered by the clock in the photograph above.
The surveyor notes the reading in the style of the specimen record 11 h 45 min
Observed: 11 h 11 min
